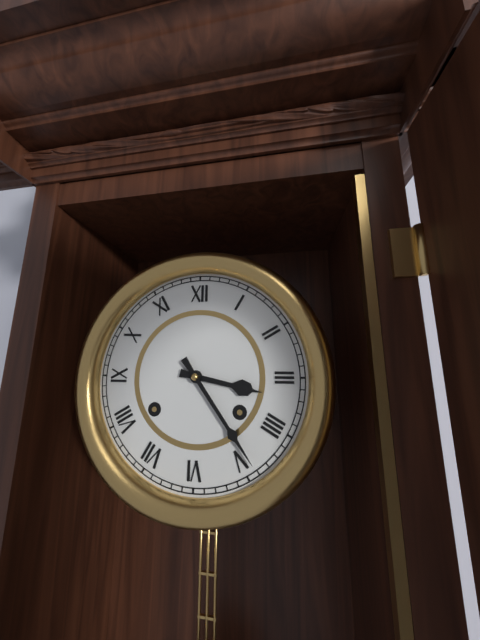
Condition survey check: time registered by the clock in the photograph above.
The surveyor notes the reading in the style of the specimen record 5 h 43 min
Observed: 3 h 24 min
